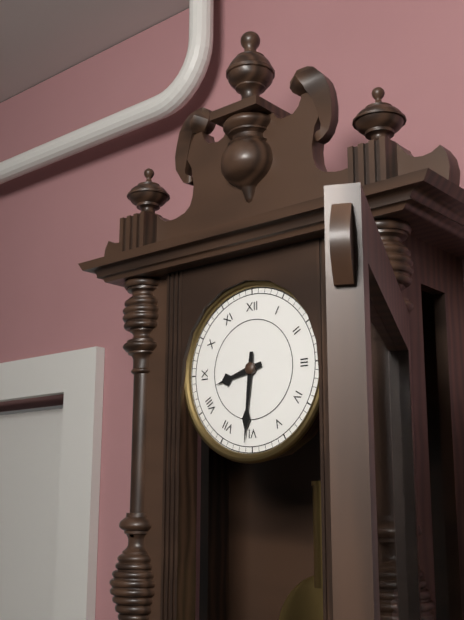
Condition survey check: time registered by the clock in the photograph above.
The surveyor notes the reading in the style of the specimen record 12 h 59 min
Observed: 8 h 31 min
